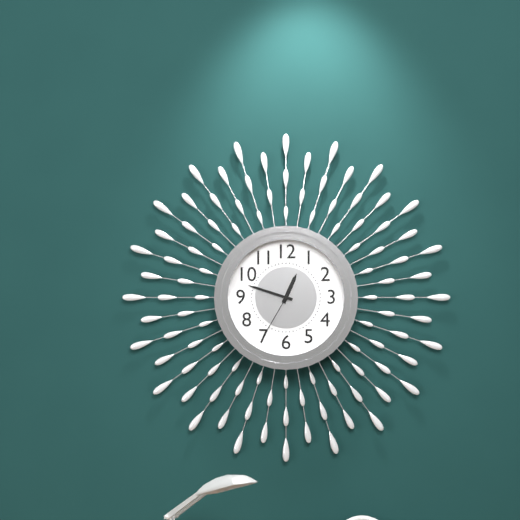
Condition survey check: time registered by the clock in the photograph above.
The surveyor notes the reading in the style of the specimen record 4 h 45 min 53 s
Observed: 12 h 48 min 35 s
